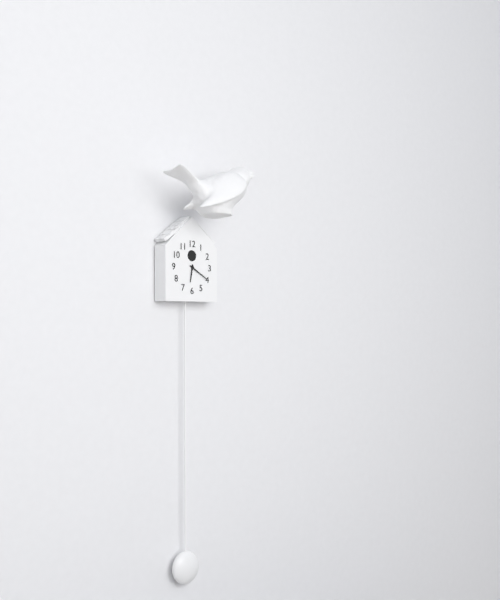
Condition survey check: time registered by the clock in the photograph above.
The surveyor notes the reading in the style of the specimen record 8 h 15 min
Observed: 6 h 20 min
